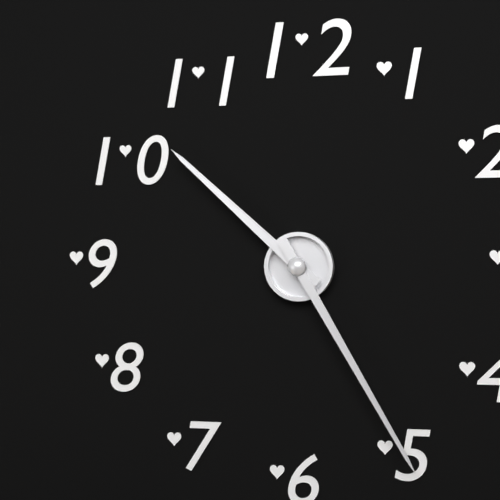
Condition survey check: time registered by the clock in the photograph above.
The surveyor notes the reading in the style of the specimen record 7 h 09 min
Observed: 10 h 25 min
